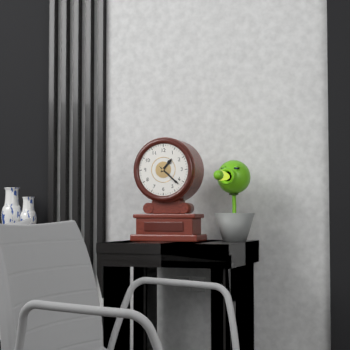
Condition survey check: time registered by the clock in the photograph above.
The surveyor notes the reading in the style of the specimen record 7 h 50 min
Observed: 1 h 22 min
